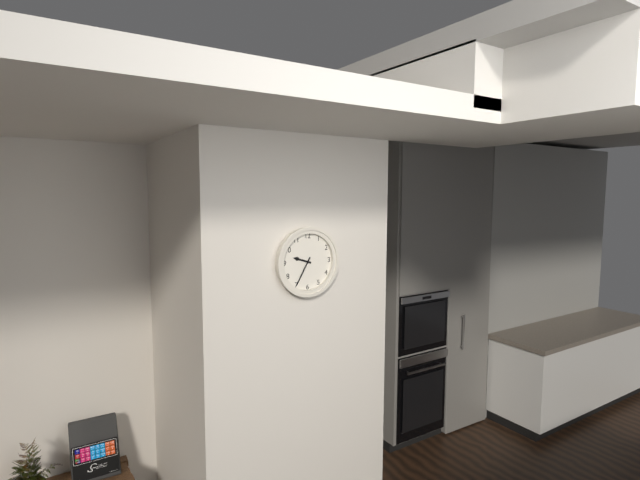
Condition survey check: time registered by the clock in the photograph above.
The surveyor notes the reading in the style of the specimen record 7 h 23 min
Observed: 9 h 35 min
